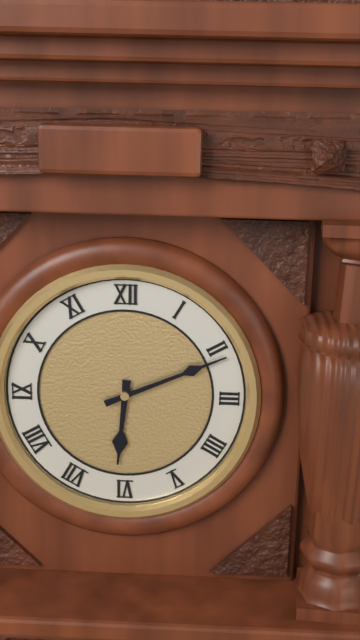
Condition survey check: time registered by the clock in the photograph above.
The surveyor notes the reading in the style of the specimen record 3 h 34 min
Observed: 6 h 11 min
